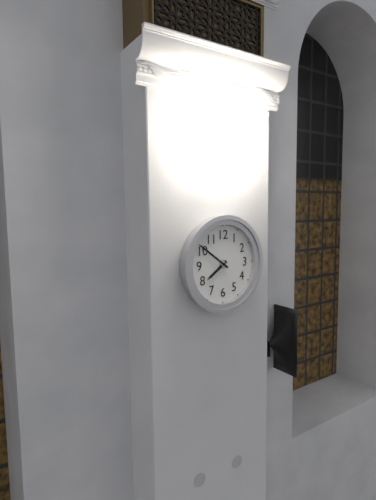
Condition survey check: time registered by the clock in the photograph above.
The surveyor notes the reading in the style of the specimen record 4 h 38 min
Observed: 7 h 51 min
